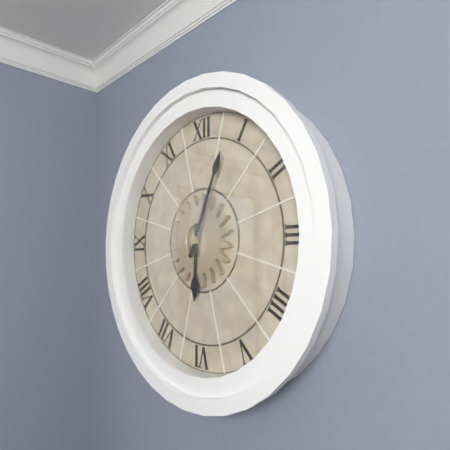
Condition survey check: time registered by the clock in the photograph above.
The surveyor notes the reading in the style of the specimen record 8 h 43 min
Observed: 6 h 04 min
